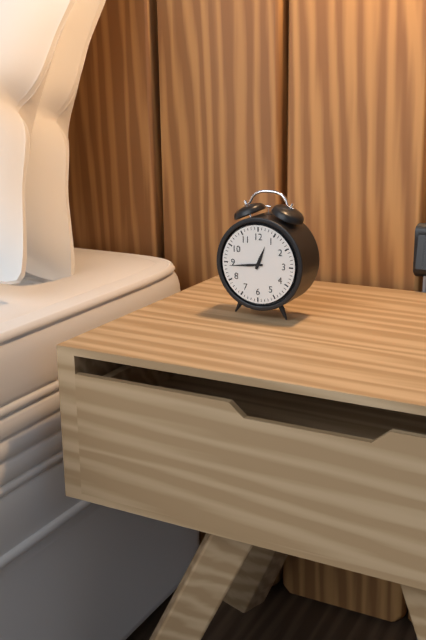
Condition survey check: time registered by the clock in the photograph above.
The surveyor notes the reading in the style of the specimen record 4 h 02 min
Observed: 12 h 44 min
